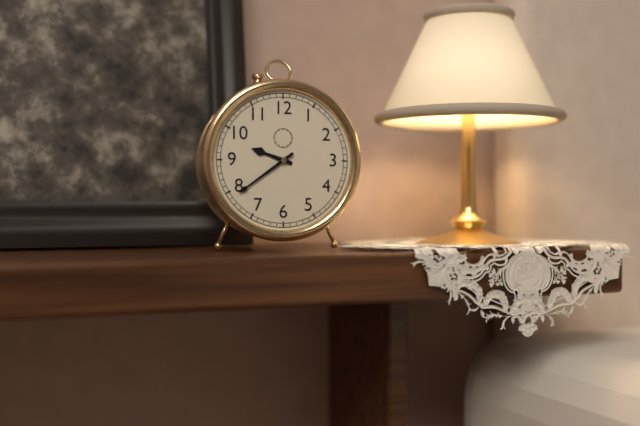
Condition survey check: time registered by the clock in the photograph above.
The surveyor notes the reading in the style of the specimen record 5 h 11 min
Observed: 9 h 39 min
